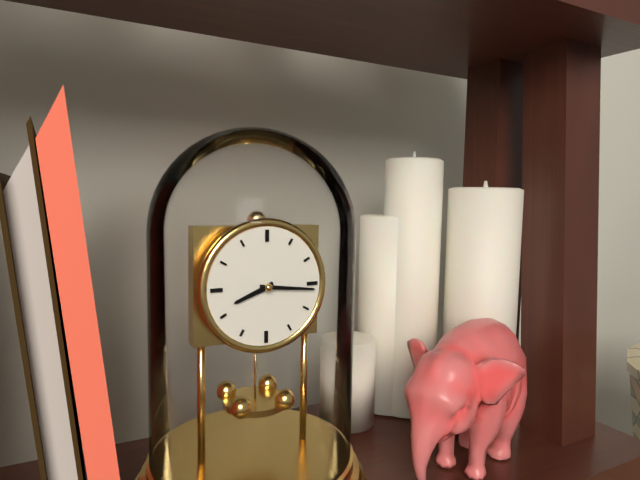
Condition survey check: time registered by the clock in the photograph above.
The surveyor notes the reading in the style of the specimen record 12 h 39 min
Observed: 8 h 16 min
